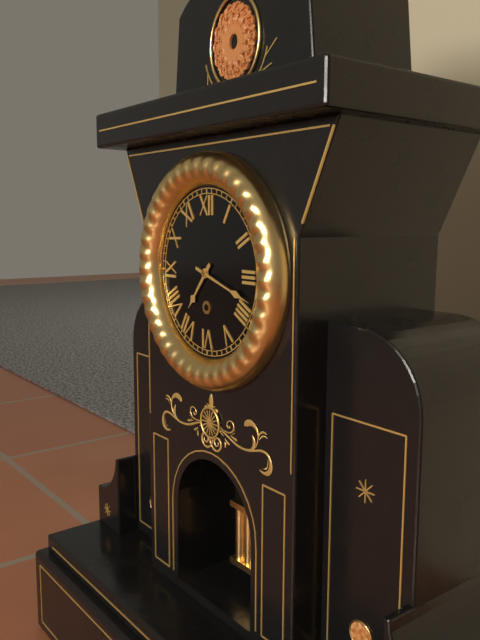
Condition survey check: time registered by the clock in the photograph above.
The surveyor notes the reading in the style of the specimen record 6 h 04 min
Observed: 7 h 18 min
